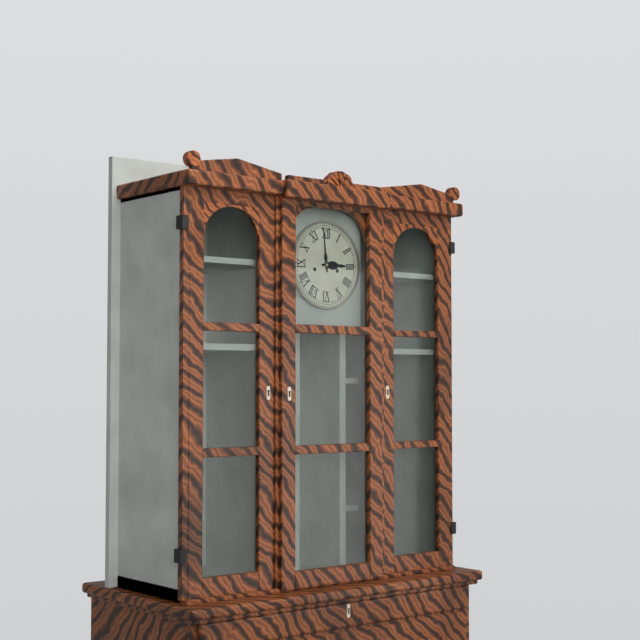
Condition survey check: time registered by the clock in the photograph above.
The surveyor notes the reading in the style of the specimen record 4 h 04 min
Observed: 2 h 59 min
